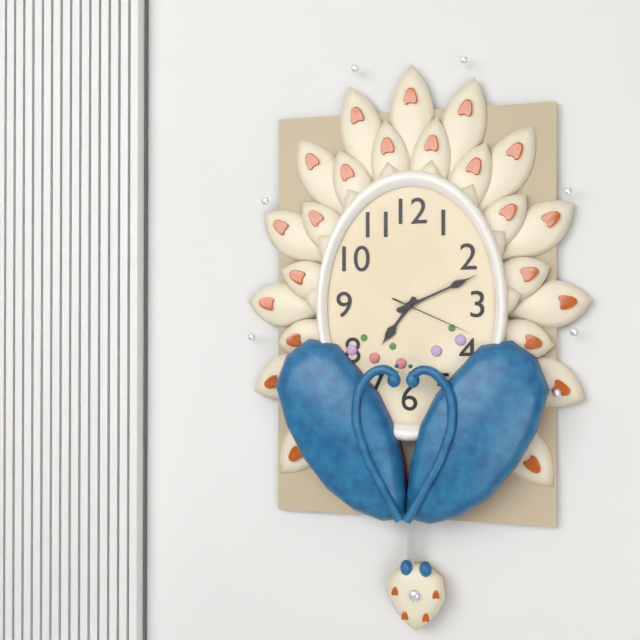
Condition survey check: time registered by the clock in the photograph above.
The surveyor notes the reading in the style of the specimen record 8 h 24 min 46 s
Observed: 7 h 11 min 19 s
